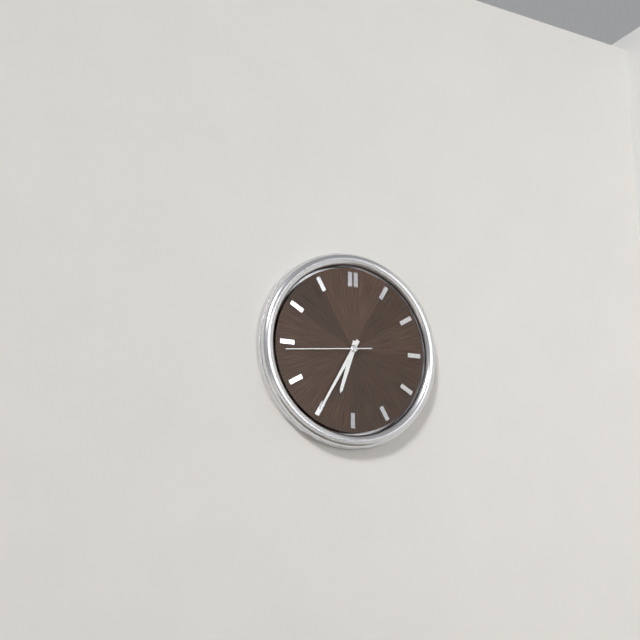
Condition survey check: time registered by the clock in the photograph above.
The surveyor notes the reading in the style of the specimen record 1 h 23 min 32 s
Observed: 6 h 35 min 44 s
